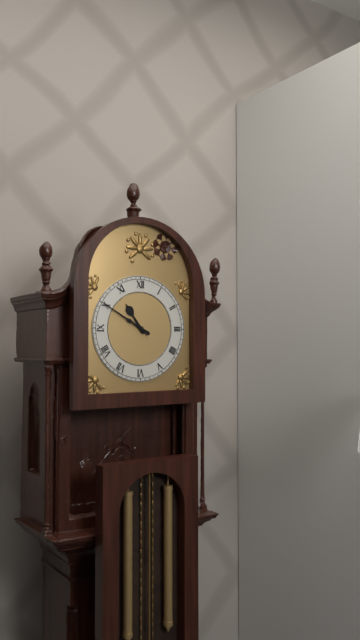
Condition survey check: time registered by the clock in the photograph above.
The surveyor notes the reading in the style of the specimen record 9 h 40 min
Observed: 10 h 50 min
